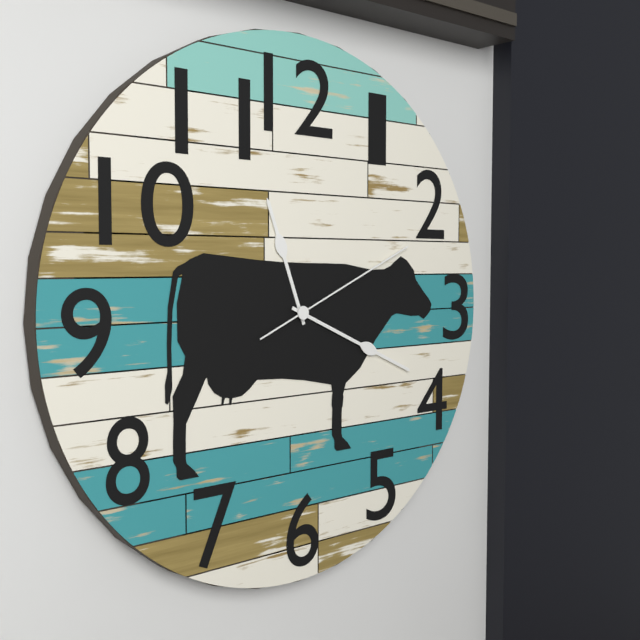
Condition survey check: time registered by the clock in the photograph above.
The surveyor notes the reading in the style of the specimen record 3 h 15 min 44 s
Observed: 11 h 19 min 11 s
